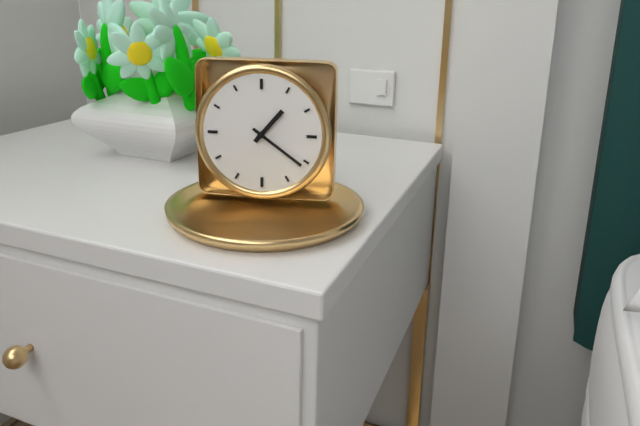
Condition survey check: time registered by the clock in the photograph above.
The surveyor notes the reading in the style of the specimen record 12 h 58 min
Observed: 1 h 21 min
